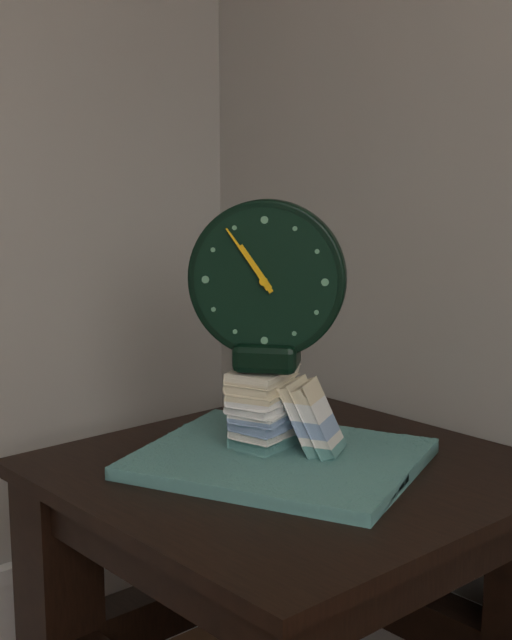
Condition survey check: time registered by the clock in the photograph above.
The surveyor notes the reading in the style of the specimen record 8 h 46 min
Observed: 10 h 54 min
